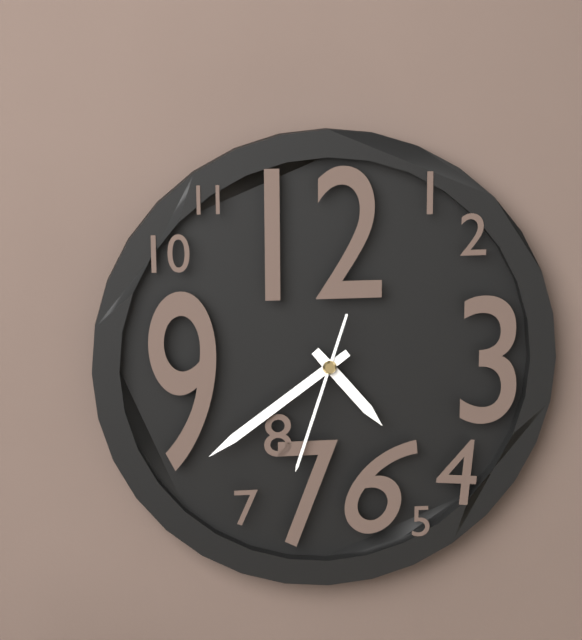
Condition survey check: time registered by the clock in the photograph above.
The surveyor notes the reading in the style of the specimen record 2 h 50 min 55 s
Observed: 4 h 39 min 33 s
